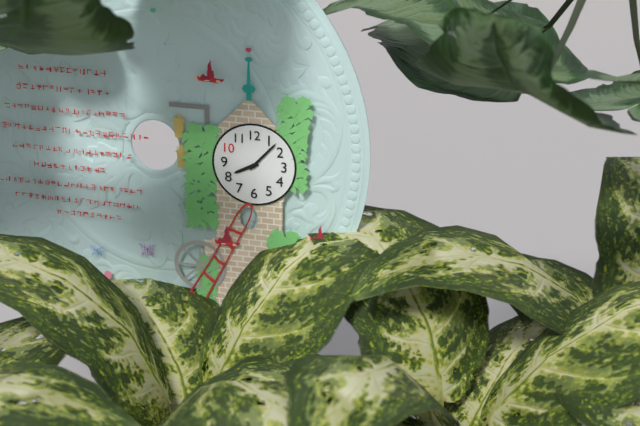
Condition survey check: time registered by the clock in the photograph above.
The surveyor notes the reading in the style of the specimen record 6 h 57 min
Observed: 8 h 07 min
